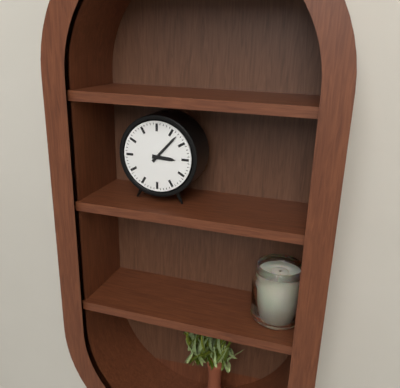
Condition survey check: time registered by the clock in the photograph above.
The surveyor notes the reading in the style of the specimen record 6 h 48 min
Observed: 3 h 07 min
